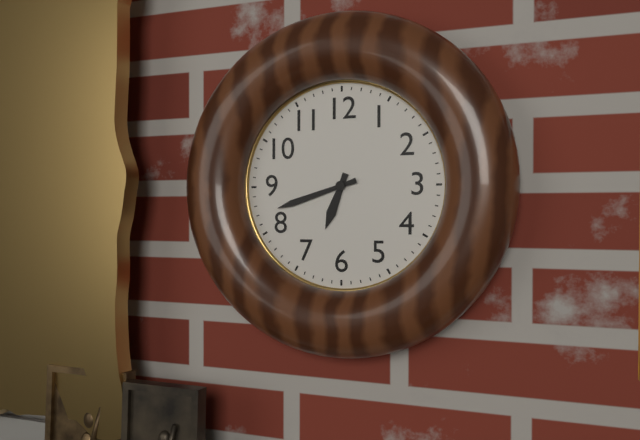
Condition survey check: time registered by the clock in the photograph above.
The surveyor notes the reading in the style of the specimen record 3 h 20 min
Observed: 6 h 42 min
